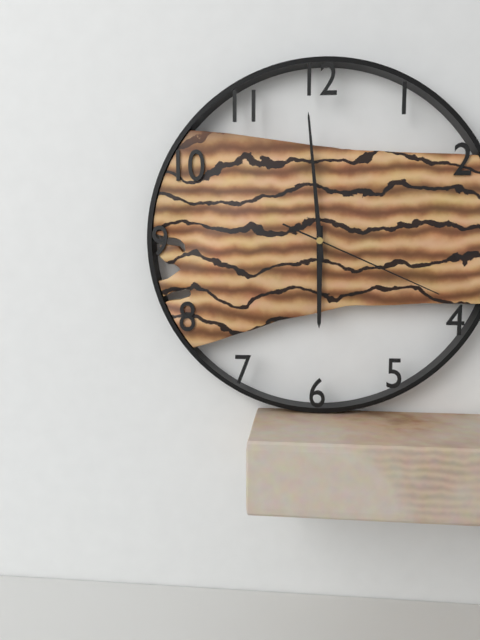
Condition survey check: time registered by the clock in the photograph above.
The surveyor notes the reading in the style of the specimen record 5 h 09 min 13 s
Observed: 5 h 59 min 19 s
